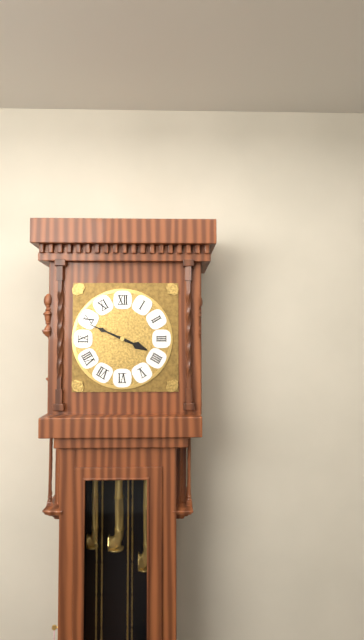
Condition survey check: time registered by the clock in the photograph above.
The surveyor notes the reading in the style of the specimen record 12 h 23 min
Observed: 3 h 49 min
